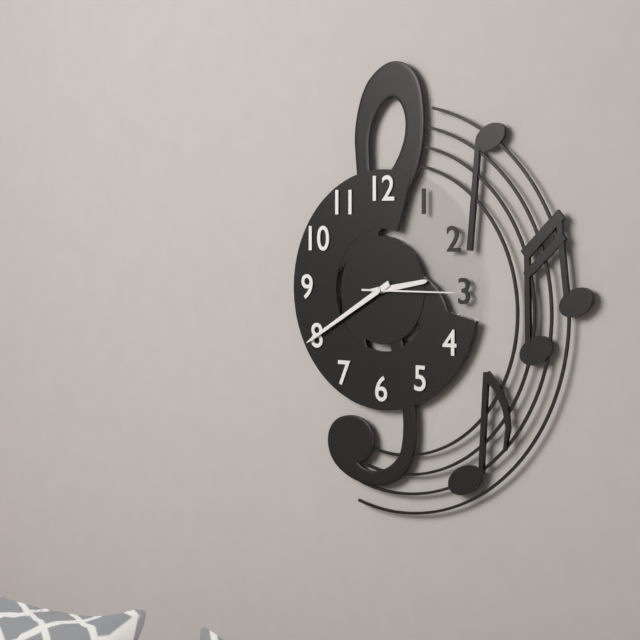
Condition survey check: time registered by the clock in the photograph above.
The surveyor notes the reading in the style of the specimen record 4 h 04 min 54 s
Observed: 2 h 40 min 15 s
